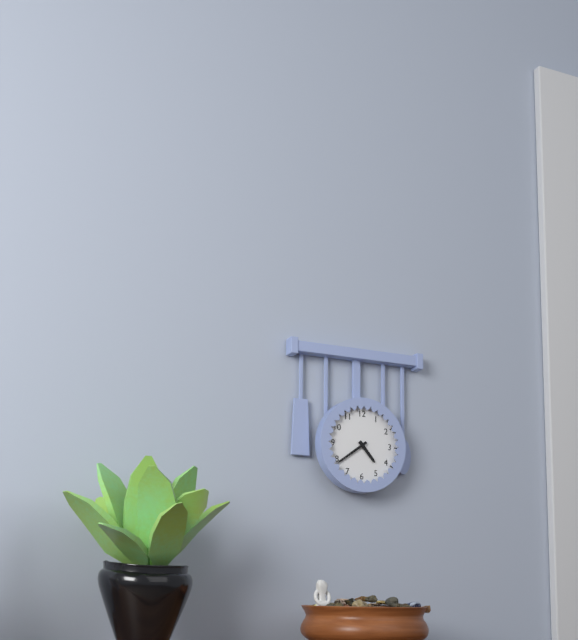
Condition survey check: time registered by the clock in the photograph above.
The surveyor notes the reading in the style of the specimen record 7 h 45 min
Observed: 4 h 39 min
